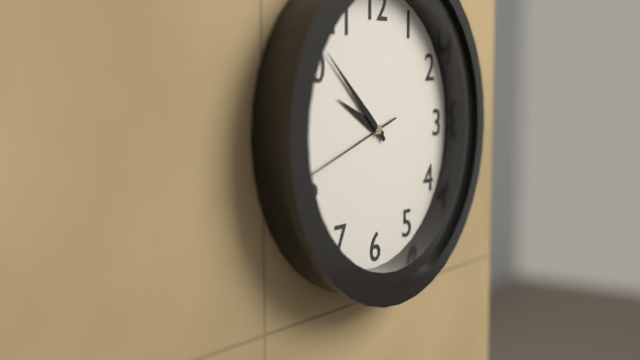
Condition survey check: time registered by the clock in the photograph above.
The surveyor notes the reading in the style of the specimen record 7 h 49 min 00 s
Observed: 9 h 52 min 42 s
